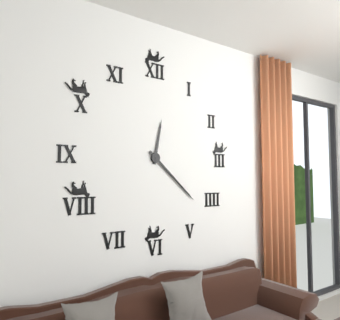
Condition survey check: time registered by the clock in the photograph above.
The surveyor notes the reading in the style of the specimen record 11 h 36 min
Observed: 12 h 22 min
